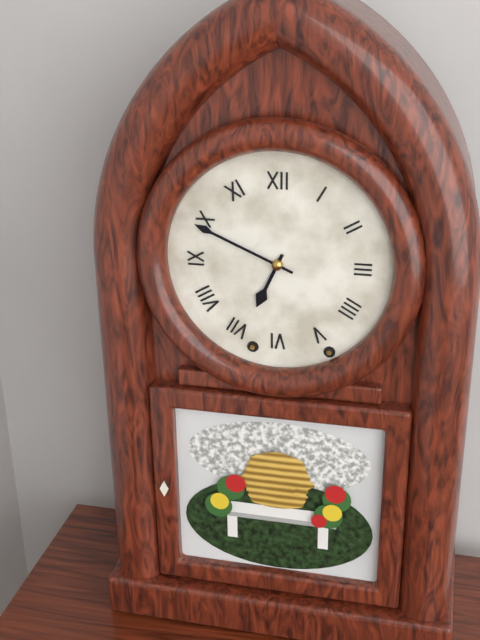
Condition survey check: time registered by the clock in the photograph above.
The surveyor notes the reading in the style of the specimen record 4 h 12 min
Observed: 6 h 49 min
